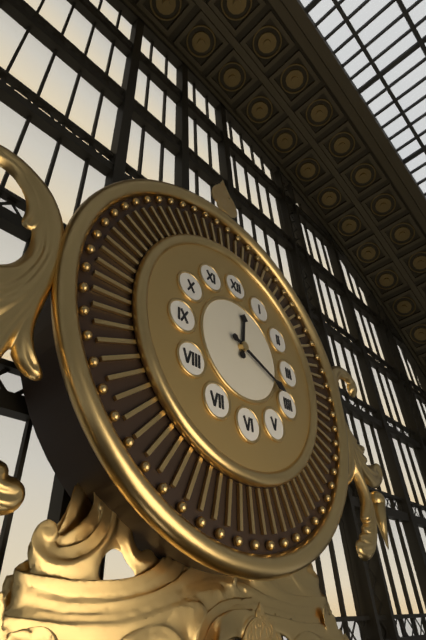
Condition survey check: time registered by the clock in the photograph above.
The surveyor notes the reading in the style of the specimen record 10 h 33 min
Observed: 12 h 19 min
